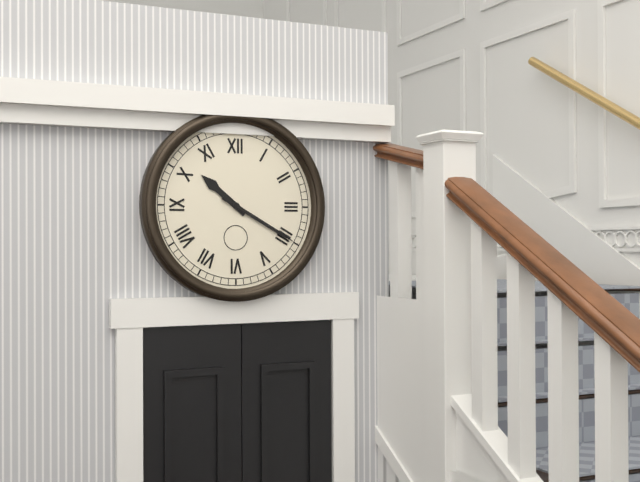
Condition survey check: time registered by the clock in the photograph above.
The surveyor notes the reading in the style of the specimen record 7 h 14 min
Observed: 10 h 20 min
